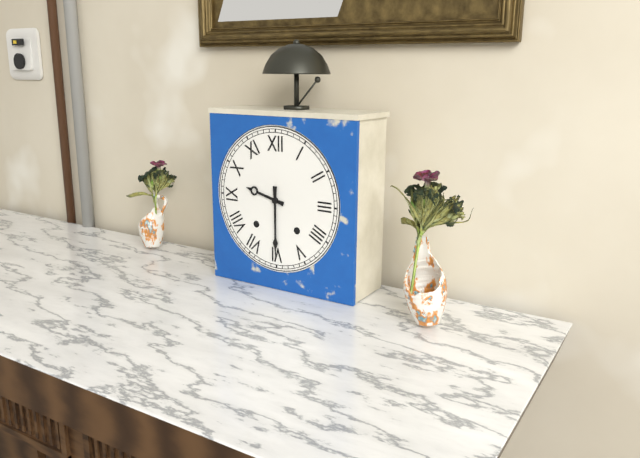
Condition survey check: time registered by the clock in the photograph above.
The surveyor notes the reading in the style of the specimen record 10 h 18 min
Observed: 9 h 30 min
